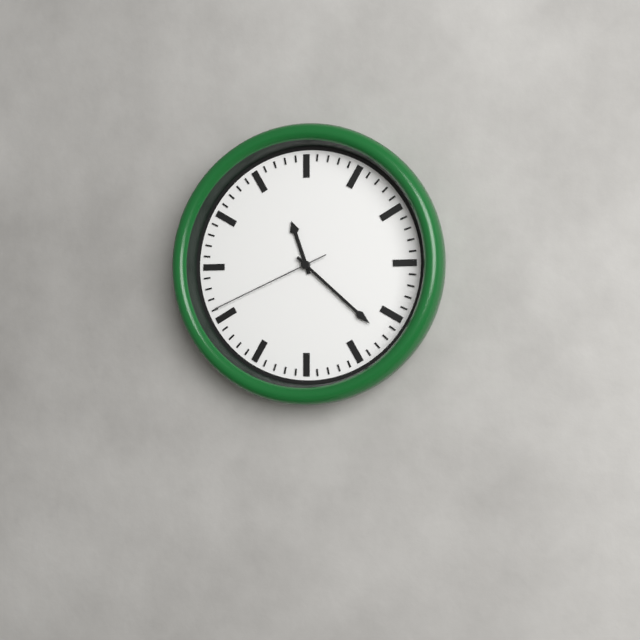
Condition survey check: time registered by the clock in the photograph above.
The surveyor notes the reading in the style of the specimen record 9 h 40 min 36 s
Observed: 11 h 22 min 41 s
